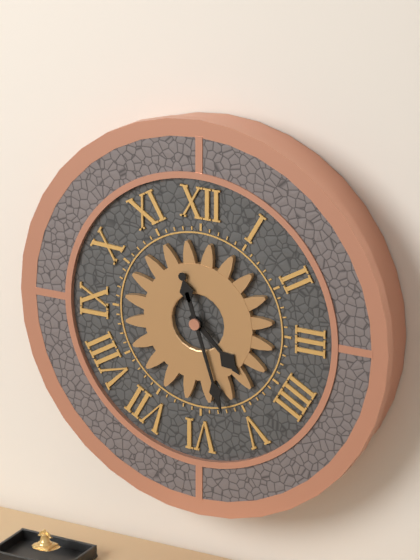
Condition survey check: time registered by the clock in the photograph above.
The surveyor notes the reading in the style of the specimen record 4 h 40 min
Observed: 4 h 27 min
